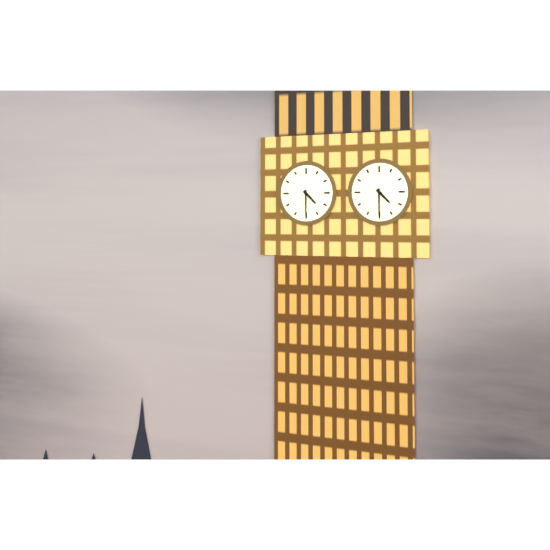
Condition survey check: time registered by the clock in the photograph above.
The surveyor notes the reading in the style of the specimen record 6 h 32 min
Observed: 4 h 30 min
